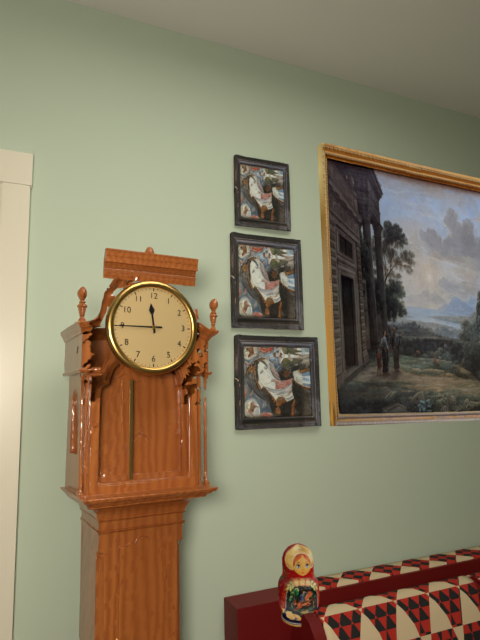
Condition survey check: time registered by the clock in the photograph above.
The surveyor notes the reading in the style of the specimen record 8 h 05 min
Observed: 11 h 45 min
